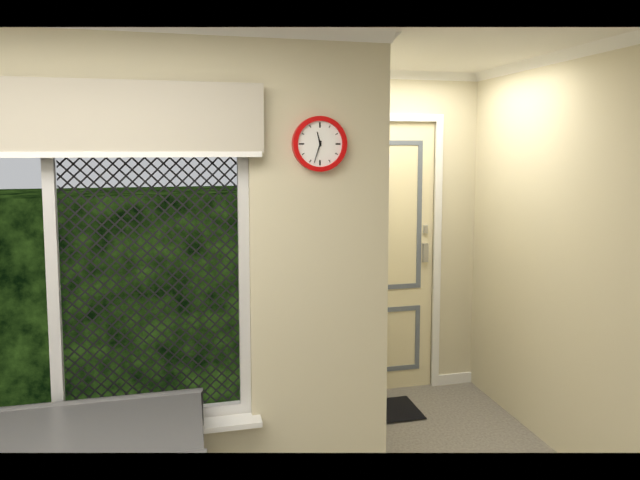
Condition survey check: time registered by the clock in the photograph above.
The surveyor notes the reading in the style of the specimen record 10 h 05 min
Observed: 11 h 33 min
